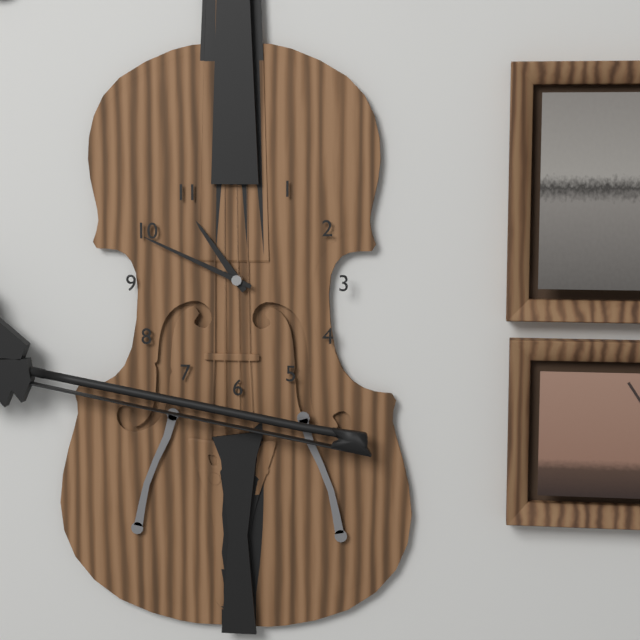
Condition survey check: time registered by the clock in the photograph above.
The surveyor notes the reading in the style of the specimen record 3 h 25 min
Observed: 10 h 49 min
